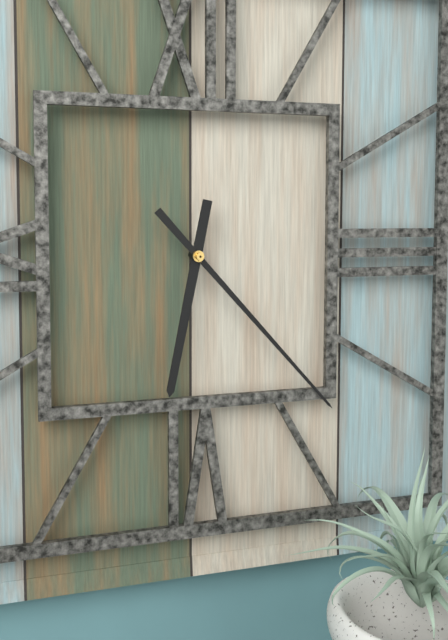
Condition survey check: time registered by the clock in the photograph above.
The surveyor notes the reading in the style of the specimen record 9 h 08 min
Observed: 6 h 23 min
